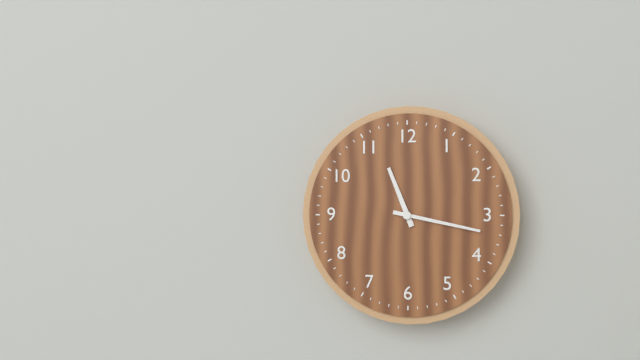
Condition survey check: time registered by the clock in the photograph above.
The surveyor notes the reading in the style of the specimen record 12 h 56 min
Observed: 11 h 17 min
